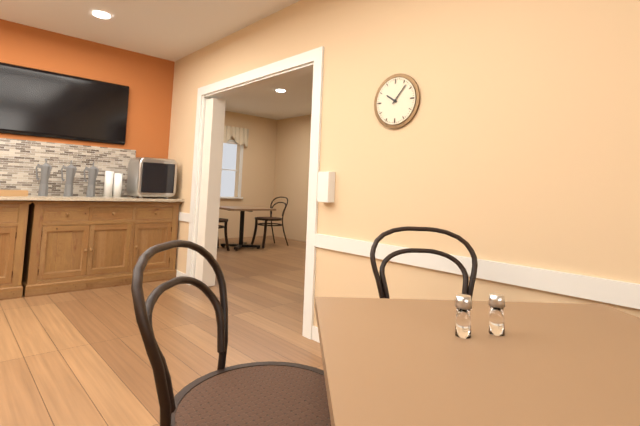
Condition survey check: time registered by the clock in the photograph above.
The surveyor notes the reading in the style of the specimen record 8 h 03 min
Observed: 10 h 07 min
